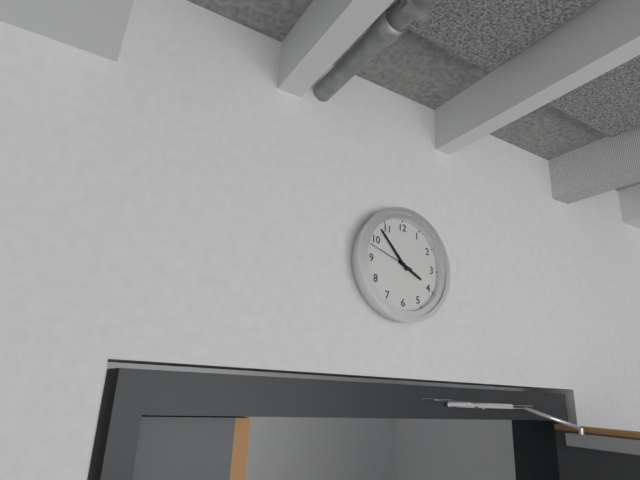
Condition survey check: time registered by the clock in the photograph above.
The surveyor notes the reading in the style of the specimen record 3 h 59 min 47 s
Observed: 3 h 53 min 48 s
